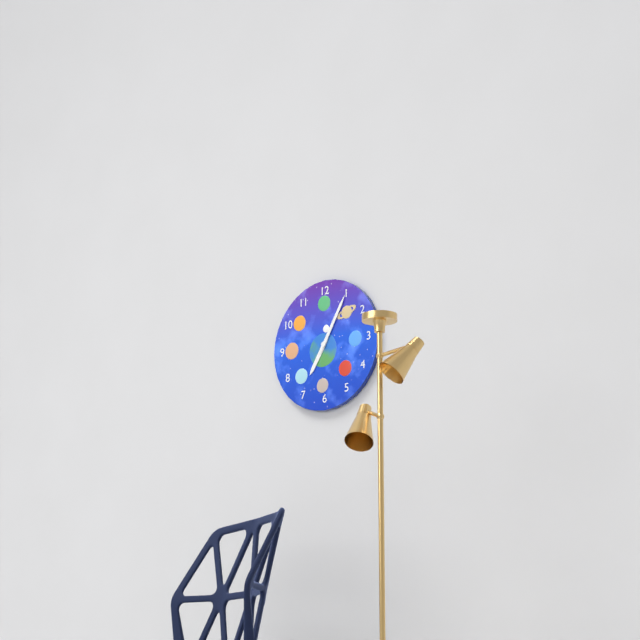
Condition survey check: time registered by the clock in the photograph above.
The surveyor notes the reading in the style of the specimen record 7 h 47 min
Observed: 7 h 05 min
